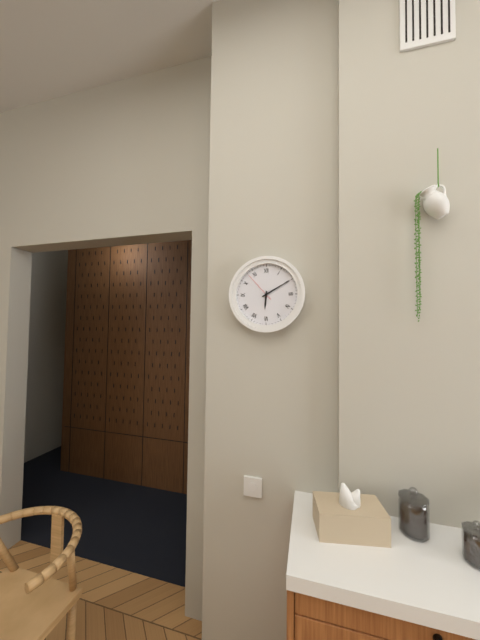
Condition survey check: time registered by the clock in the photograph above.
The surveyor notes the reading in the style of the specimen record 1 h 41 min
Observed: 6 h 10 min
